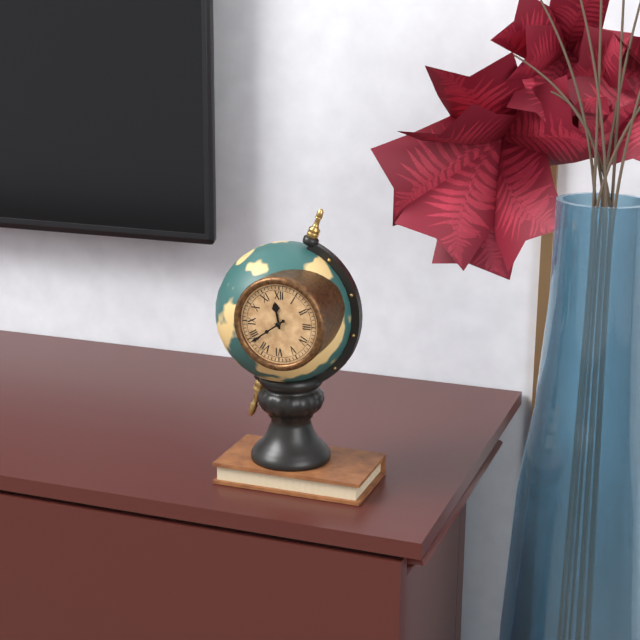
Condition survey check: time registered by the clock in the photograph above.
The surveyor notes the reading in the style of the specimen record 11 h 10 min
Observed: 11 h 39 min
